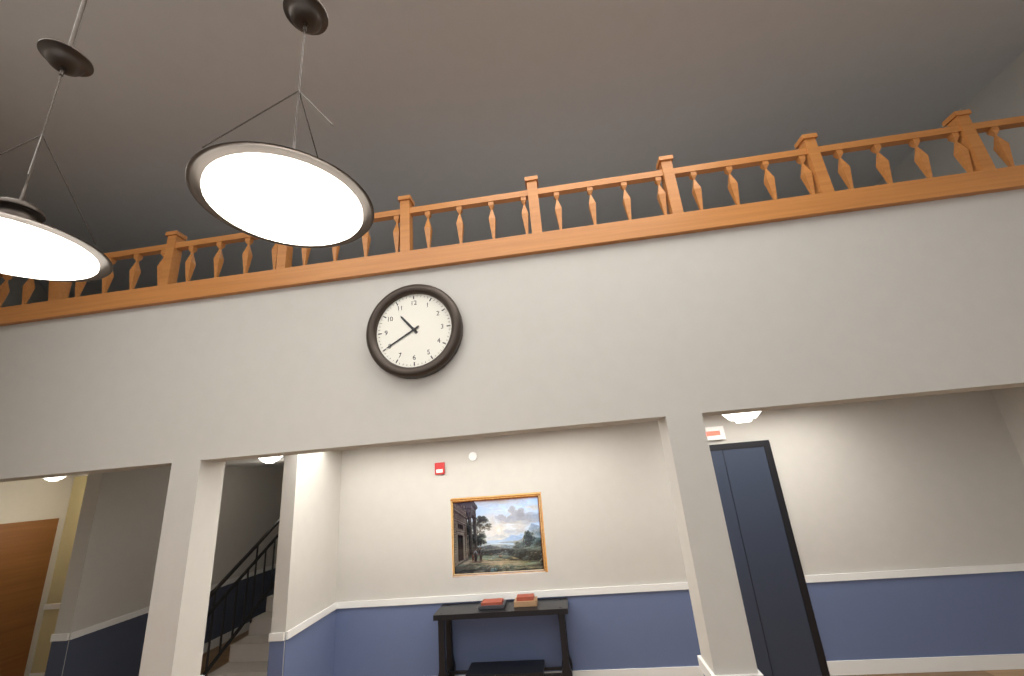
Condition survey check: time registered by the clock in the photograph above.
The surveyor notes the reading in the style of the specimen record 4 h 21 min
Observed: 10 h 40 min
